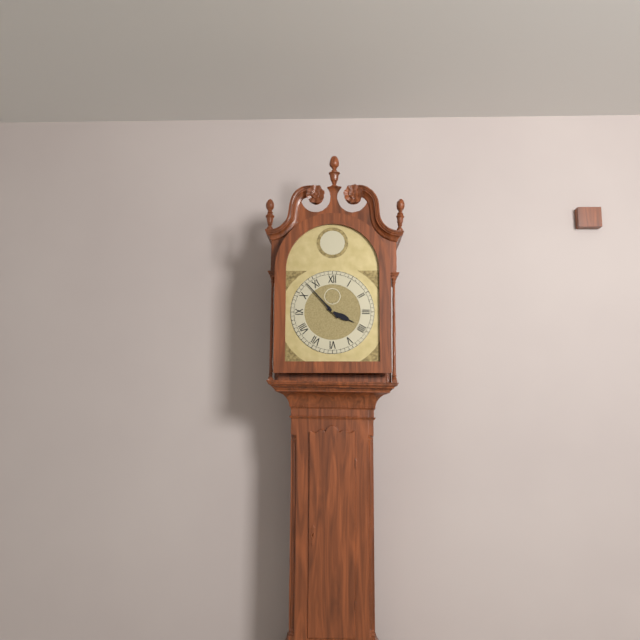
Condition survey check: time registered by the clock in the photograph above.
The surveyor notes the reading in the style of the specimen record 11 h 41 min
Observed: 3 h 53 min
